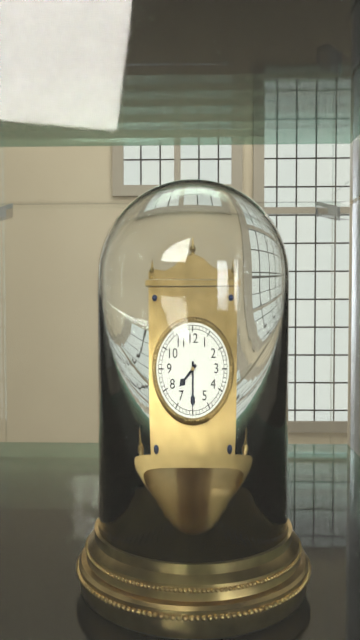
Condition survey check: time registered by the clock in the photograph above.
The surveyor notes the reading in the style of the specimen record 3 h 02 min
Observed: 7 h 30 min
